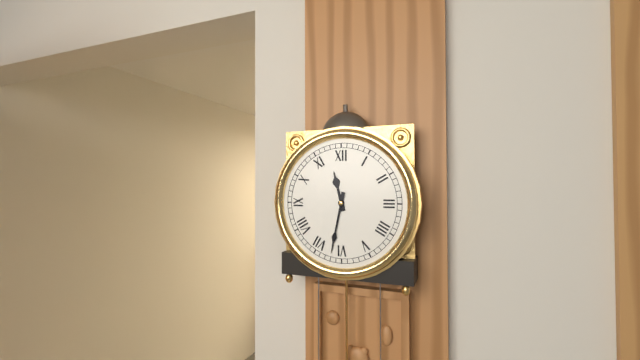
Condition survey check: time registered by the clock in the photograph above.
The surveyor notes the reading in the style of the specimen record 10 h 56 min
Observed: 11 h 32 min
